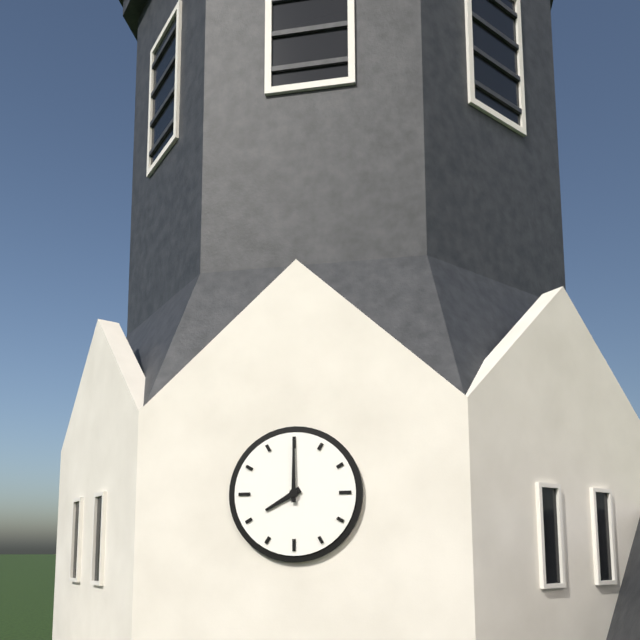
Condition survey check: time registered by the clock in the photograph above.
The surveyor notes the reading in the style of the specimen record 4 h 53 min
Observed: 8 h 00 min
